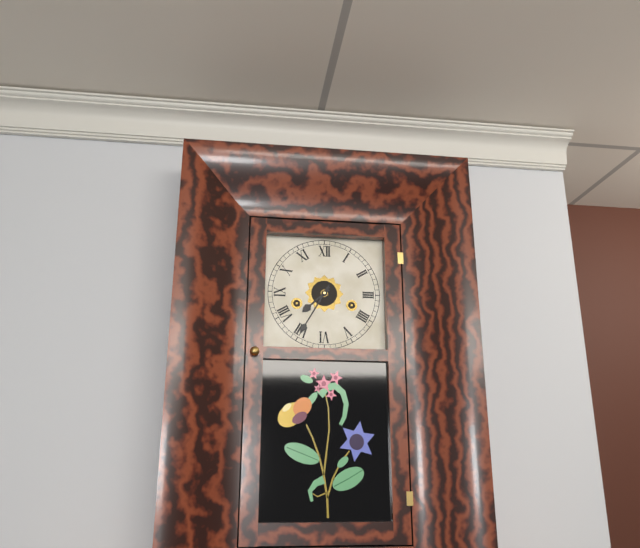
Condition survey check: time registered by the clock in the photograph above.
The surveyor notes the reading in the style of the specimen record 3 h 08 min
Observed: 7 h 35 min
